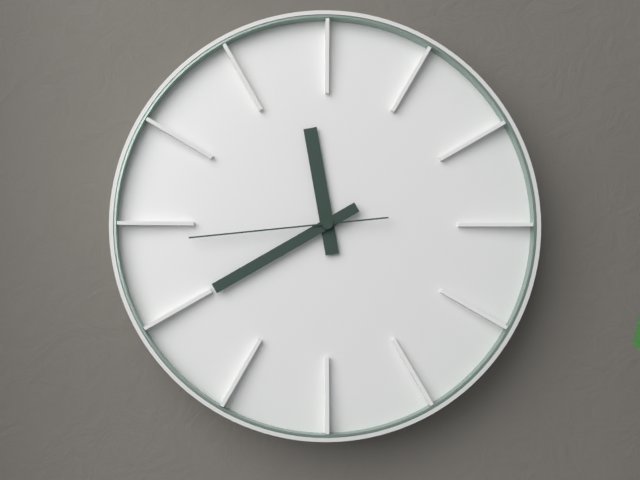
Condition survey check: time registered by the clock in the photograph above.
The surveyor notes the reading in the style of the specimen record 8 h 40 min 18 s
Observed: 11 h 40 min 44 s
